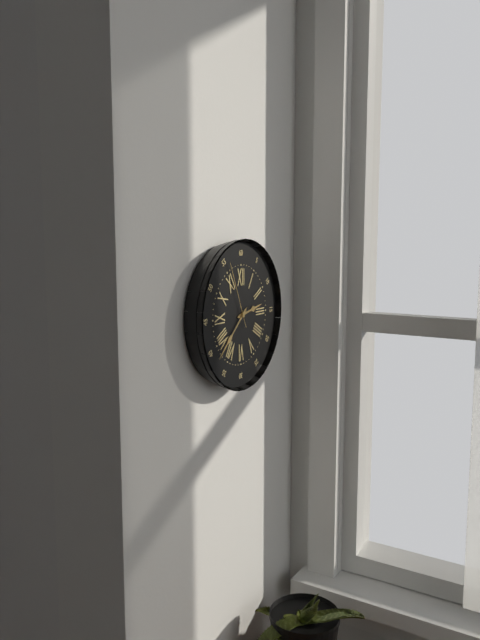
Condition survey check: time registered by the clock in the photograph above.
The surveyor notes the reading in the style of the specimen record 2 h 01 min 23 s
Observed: 2 h 38 min 56 s
